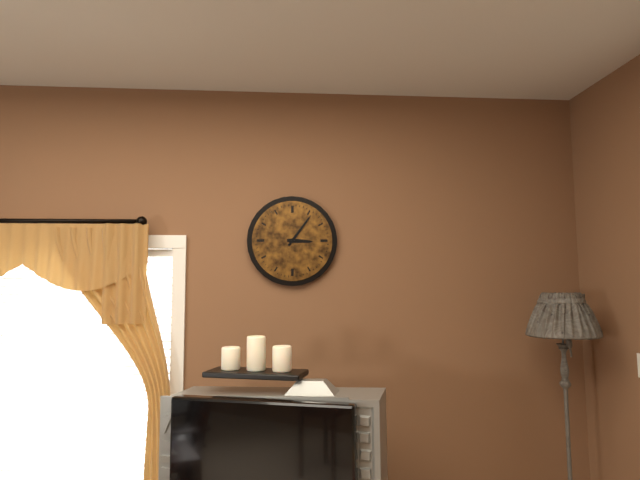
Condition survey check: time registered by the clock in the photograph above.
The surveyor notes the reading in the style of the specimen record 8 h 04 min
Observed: 3 h 06 min
